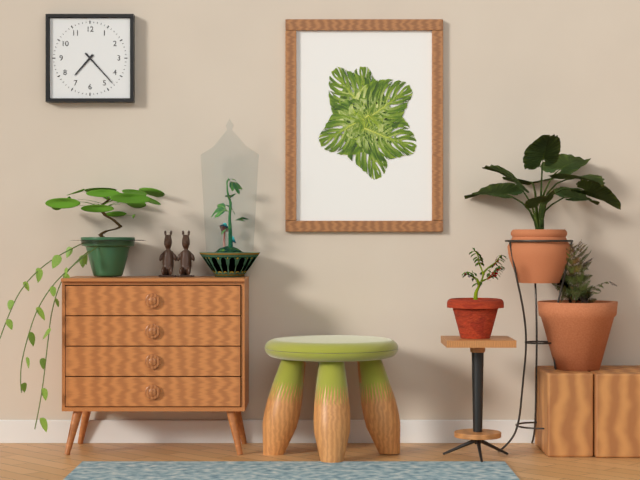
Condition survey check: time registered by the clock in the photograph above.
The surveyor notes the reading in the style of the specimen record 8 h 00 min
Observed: 7 h 23 min
